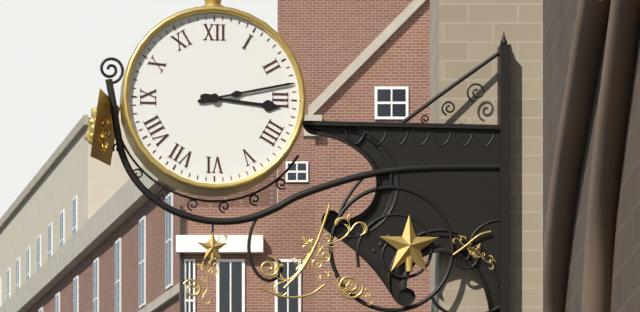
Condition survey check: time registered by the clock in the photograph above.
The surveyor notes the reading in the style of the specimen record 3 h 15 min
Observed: 3 h 13 min
